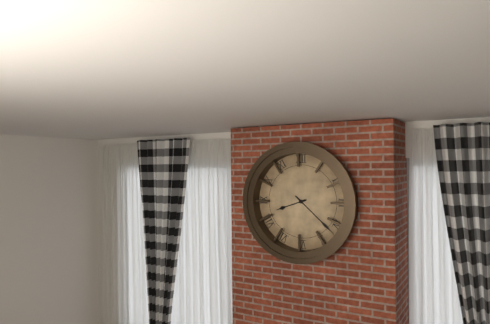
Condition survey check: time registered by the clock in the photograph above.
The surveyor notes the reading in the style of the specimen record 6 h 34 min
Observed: 8 h 22 min
